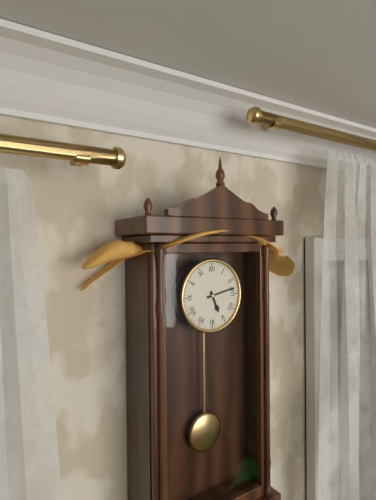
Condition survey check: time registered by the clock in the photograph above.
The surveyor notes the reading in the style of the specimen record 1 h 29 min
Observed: 5 h 13 min
